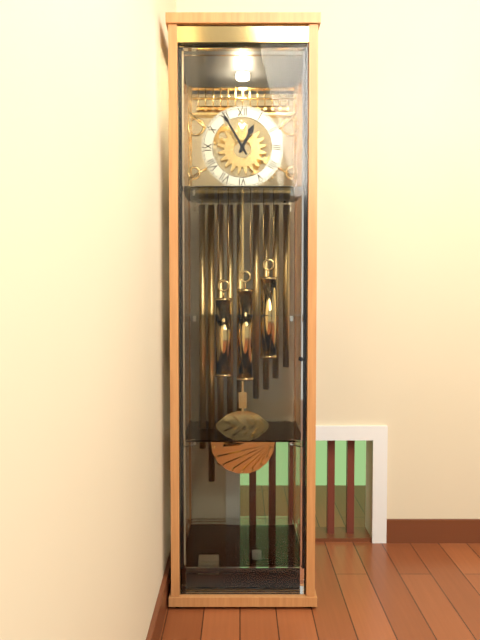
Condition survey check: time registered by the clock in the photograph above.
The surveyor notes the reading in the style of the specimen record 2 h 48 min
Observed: 12 h 55 min
